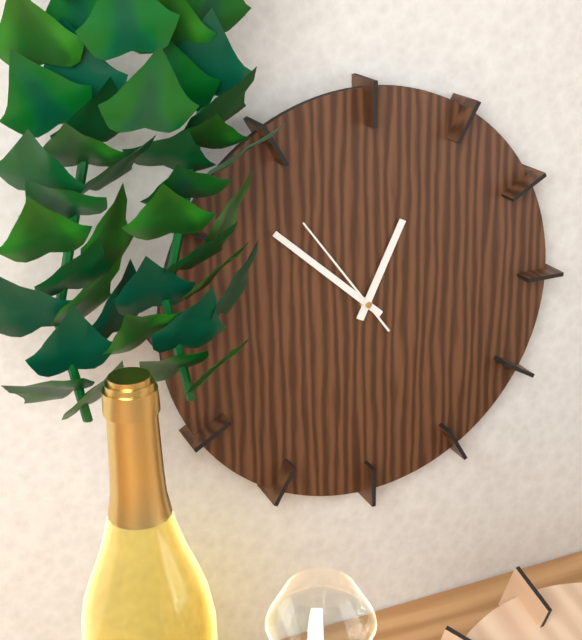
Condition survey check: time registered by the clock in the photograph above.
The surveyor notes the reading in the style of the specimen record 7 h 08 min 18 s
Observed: 12 h 52 min 54 s
